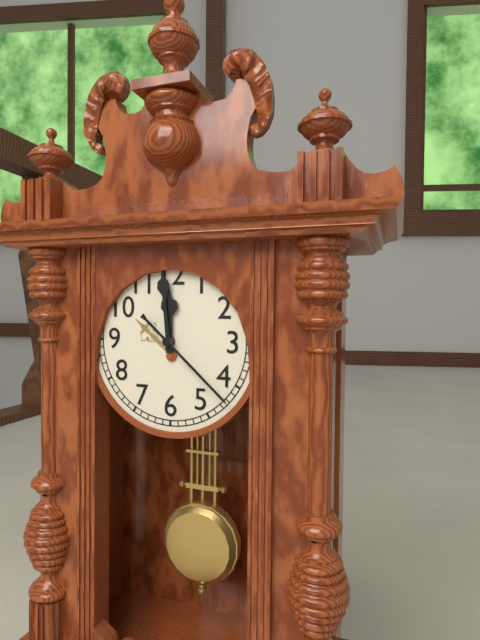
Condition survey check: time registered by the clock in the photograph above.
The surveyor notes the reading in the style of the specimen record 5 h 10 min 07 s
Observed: 11 h 59 min 22 s
